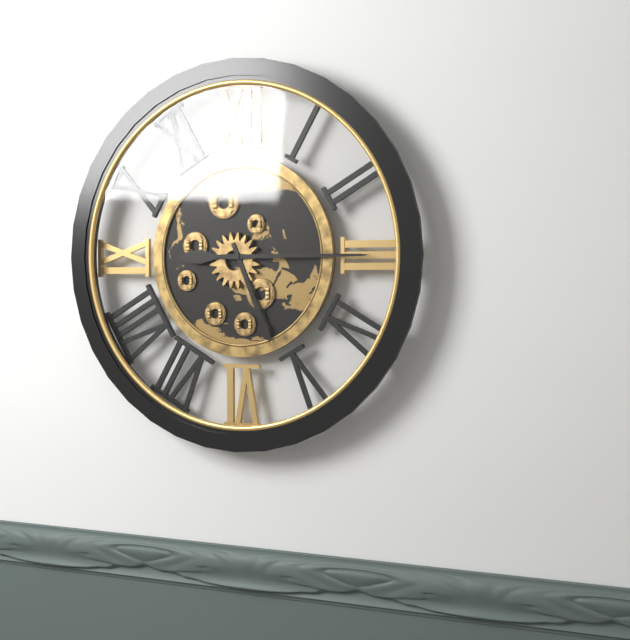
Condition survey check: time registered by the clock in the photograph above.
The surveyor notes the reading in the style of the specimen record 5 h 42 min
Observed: 5 h 15 min
